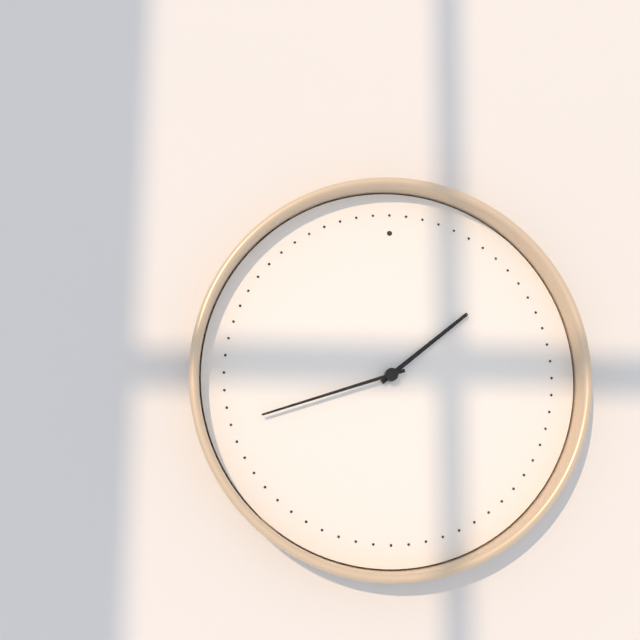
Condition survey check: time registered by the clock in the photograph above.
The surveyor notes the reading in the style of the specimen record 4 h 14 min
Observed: 1 h 42 min
